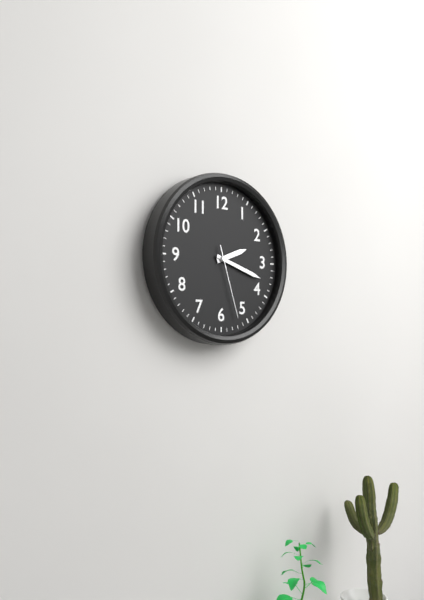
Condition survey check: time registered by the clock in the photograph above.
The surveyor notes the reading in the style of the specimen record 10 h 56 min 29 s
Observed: 2 h 18 min 27 s
